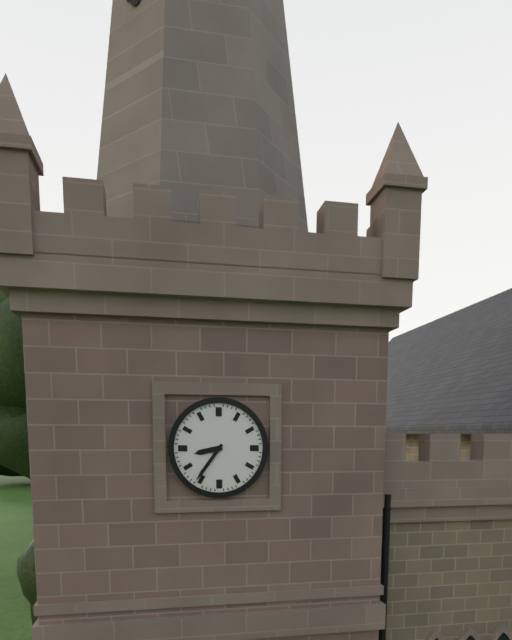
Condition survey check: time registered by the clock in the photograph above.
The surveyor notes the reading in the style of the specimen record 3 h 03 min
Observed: 8 h 36 min
